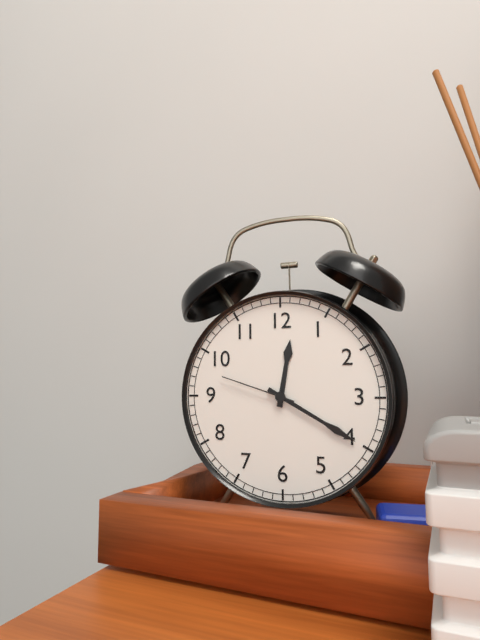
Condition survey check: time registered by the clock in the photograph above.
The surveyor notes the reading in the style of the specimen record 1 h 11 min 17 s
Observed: 12 h 20 min 48 s
